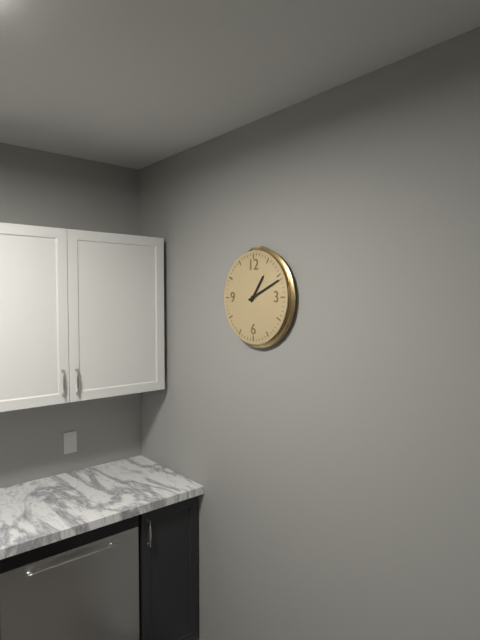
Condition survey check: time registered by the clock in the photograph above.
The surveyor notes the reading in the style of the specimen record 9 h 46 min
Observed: 1 h 11 min
